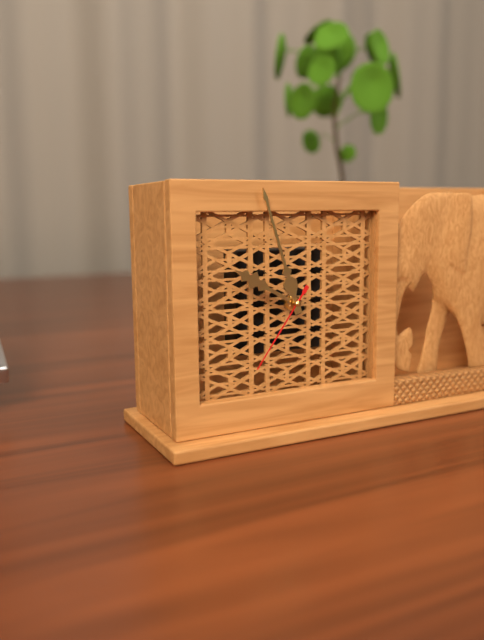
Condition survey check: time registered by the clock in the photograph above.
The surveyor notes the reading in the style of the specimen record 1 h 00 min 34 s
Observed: 9 h 57 min 36 s
